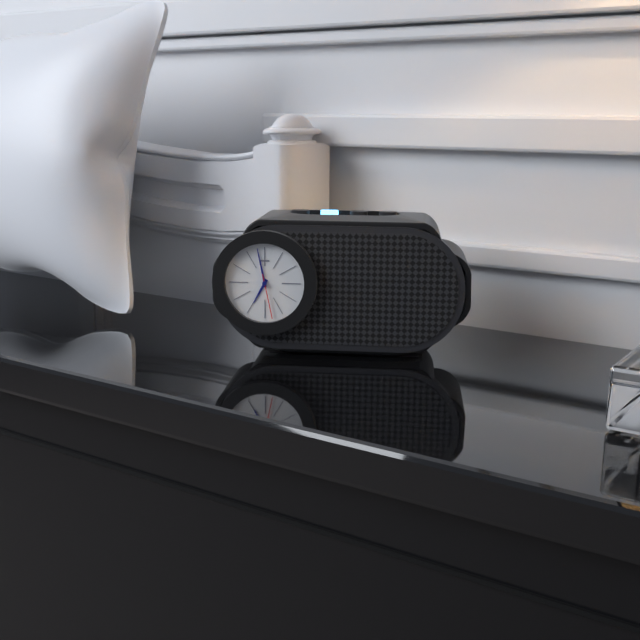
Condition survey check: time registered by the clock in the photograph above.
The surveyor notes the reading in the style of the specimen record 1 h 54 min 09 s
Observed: 6 h 58 min 28 s
